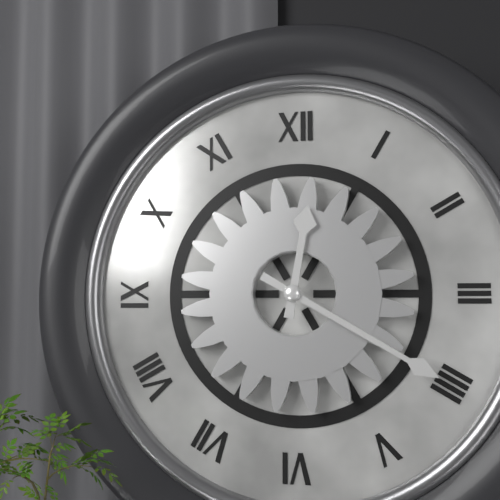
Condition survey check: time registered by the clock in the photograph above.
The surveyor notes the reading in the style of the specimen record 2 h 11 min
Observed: 12 h 20 min
